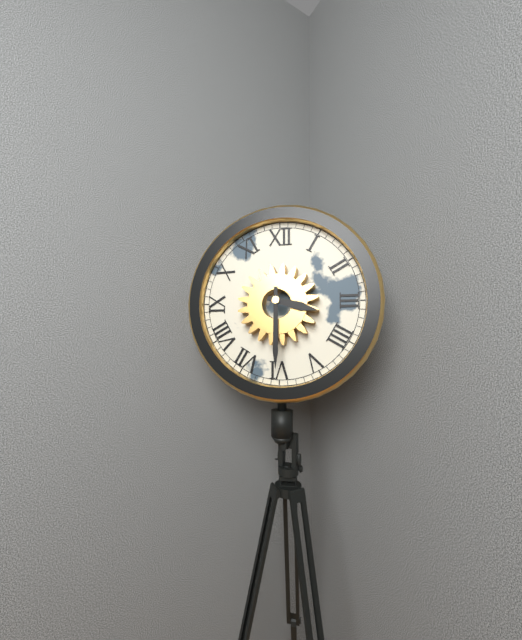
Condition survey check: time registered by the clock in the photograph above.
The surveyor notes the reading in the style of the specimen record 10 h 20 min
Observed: 3 h 30 min
